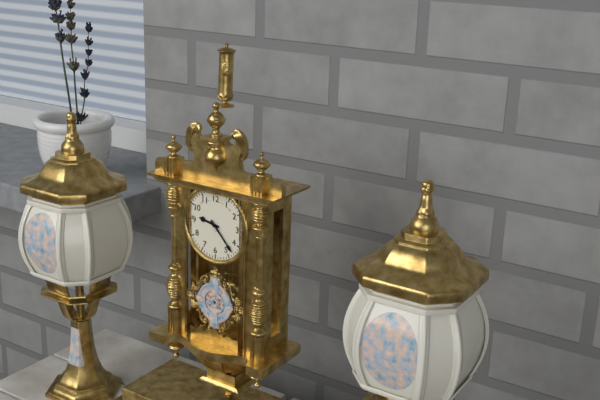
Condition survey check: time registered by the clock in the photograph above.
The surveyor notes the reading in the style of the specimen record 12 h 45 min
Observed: 9 h 23 min
